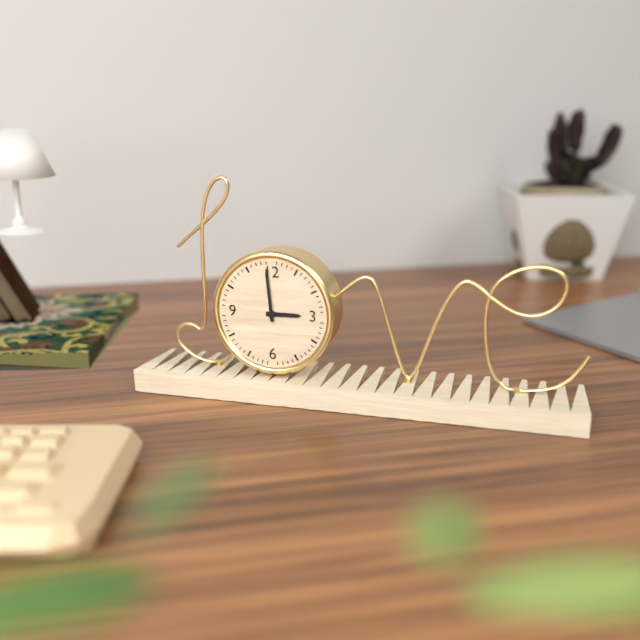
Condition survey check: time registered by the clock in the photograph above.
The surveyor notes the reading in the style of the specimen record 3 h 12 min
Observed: 2 h 59 min
